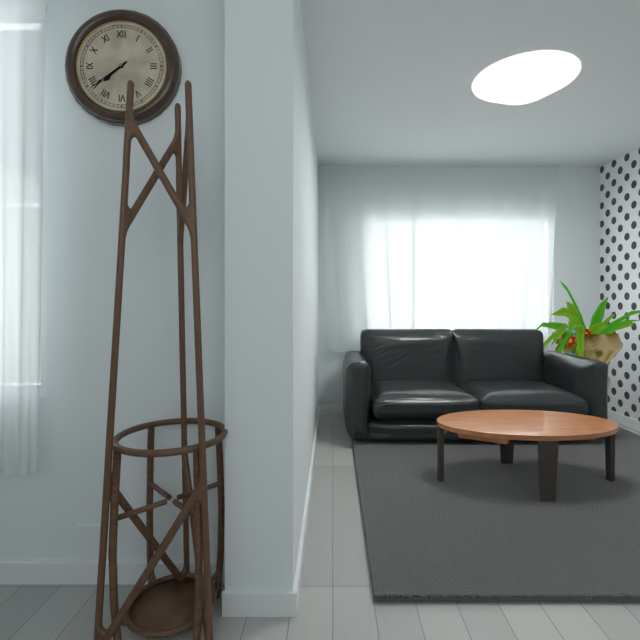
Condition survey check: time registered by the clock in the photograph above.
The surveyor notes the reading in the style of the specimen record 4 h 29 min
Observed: 7 h 39 min
